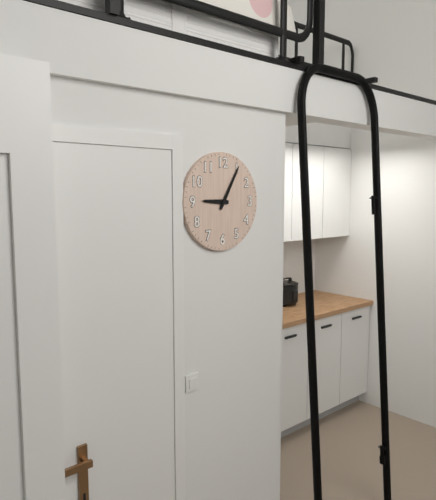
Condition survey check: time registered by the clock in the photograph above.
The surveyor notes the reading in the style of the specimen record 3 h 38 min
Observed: 9 h 05 min
